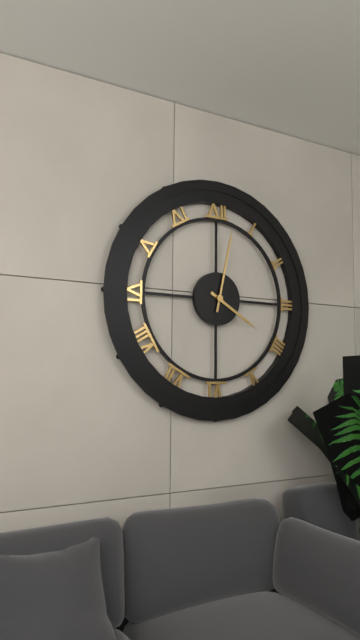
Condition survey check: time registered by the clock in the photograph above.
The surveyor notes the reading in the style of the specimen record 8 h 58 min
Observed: 4 h 02 min
